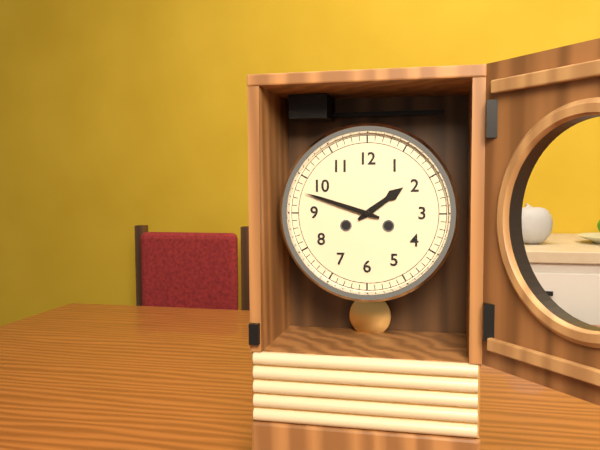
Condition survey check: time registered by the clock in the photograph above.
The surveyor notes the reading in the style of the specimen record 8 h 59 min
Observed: 1 h 48 min
